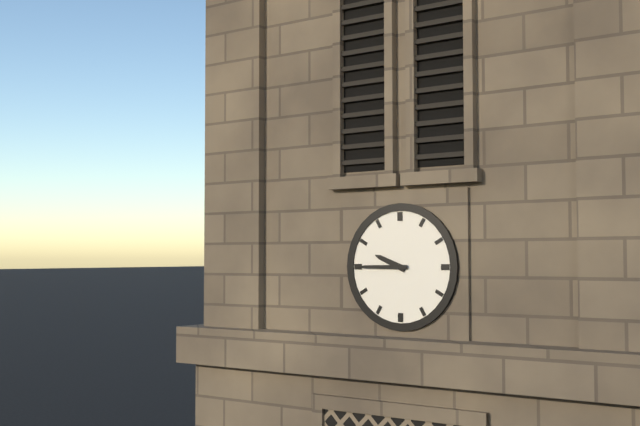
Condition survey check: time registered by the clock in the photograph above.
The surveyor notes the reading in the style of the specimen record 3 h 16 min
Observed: 9 h 45 min
